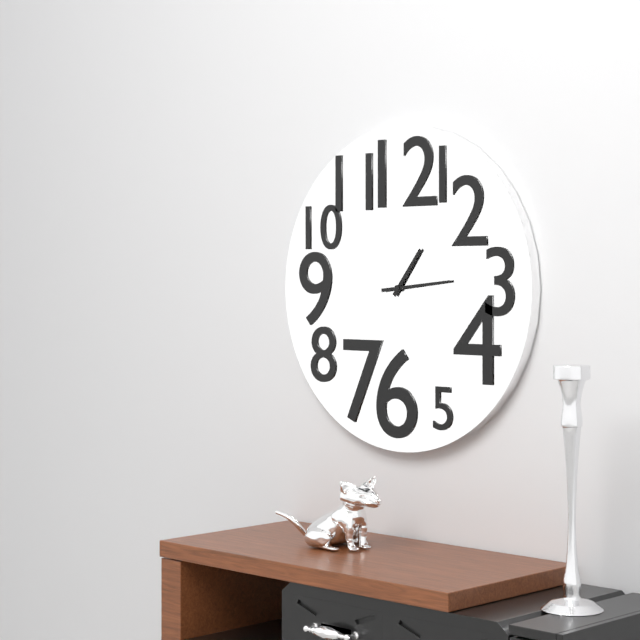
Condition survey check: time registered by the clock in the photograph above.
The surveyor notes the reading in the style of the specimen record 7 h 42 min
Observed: 1 h 14 min
